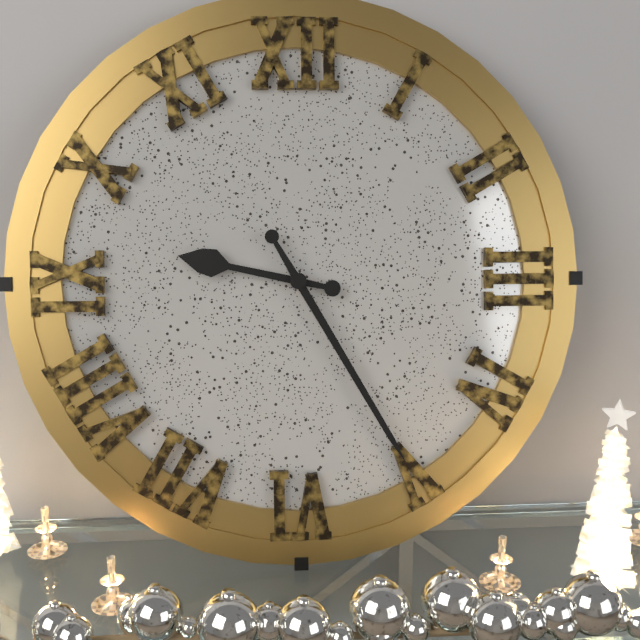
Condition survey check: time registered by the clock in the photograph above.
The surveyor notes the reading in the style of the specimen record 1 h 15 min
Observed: 9 h 25 min
